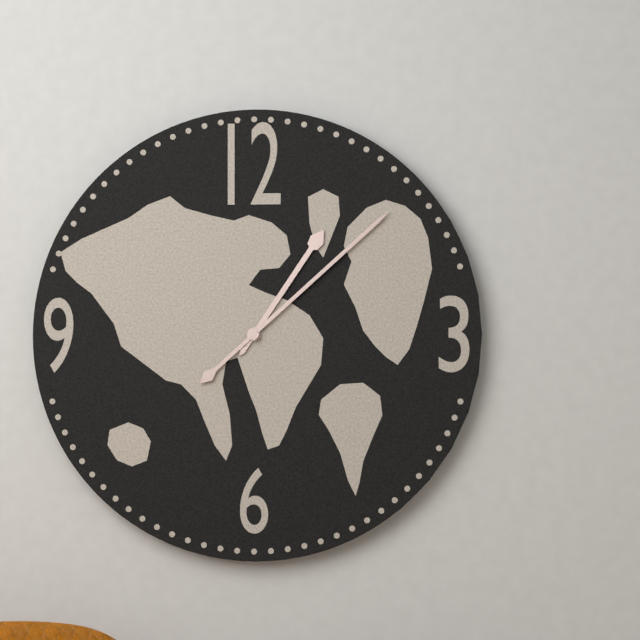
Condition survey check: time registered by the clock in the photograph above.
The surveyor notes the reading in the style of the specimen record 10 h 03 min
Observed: 1 h 08 min
